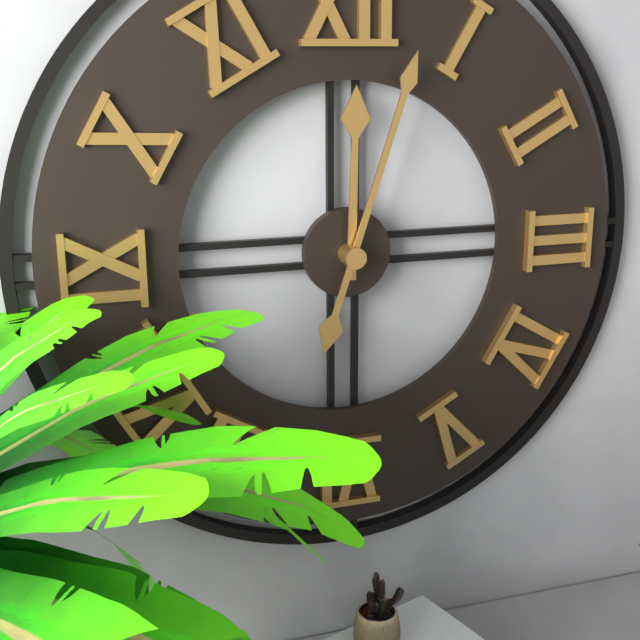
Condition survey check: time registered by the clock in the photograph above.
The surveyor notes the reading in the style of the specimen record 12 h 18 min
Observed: 12 h 03 min
